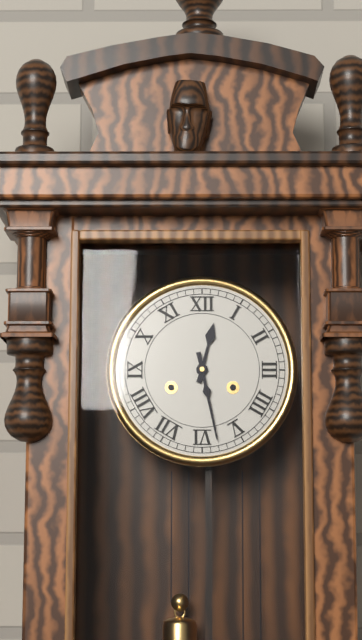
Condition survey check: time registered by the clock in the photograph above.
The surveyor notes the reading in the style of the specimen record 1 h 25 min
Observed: 12 h 28 min
